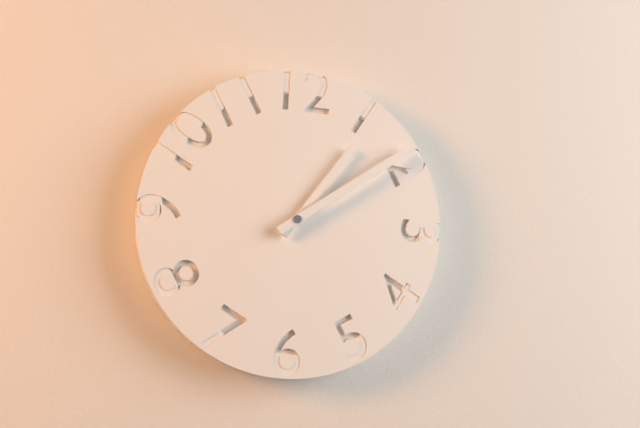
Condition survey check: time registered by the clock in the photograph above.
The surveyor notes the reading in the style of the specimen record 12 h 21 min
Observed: 1 h 09 min
